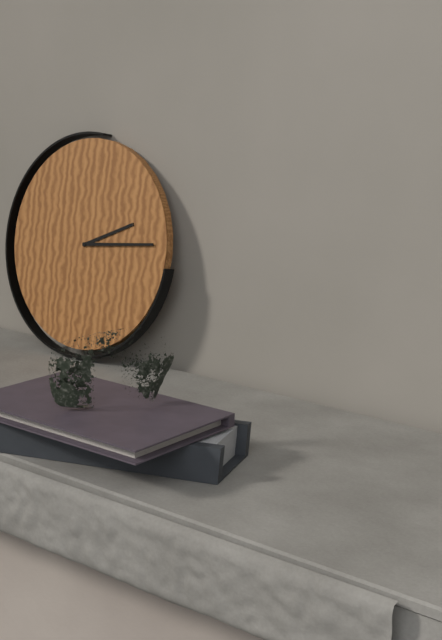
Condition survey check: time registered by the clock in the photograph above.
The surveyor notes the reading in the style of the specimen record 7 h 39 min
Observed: 2 h 14 min
